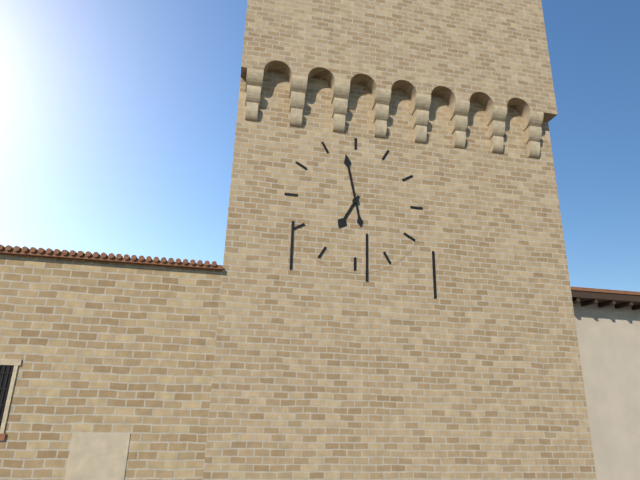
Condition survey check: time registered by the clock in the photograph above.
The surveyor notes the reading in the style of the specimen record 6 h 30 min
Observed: 6 h 58 min
